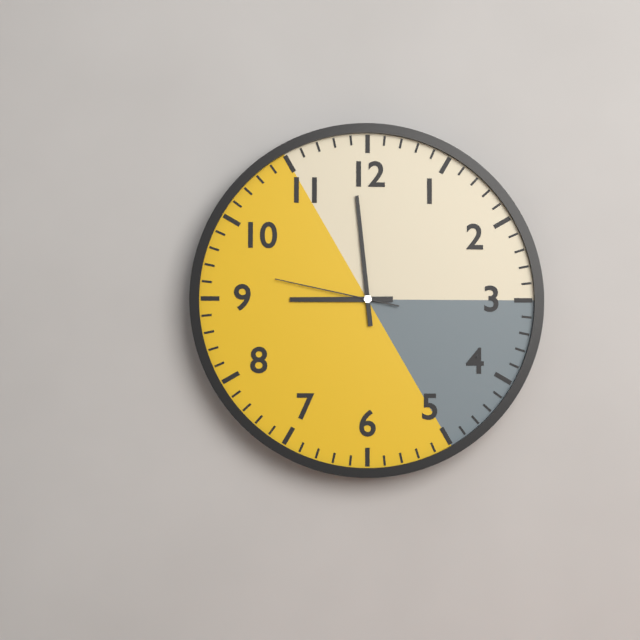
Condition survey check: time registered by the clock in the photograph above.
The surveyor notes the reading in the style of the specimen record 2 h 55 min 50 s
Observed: 8 h 59 min 47 s
